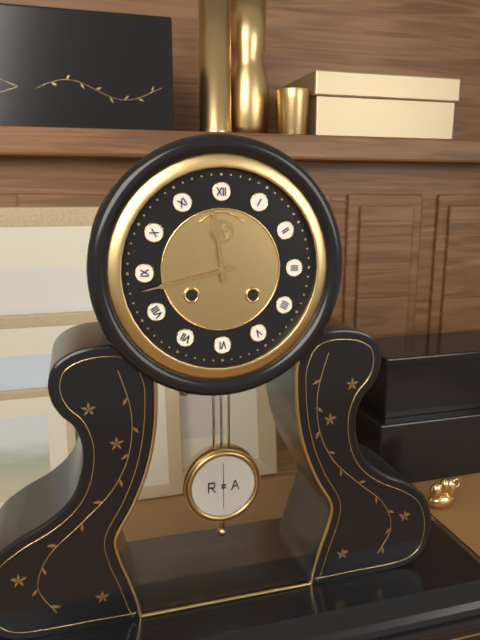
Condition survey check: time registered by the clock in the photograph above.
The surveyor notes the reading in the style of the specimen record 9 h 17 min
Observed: 11 h 43 min
